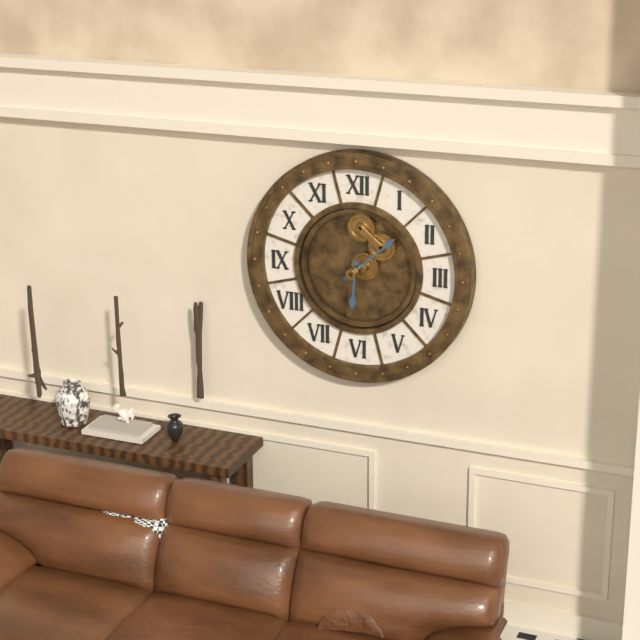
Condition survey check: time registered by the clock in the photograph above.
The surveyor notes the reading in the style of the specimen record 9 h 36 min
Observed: 6 h 08 min
